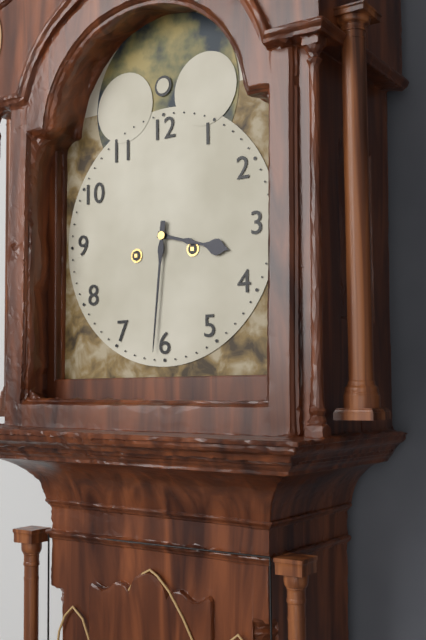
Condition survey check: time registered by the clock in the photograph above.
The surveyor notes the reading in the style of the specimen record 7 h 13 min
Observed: 3 h 31 min
